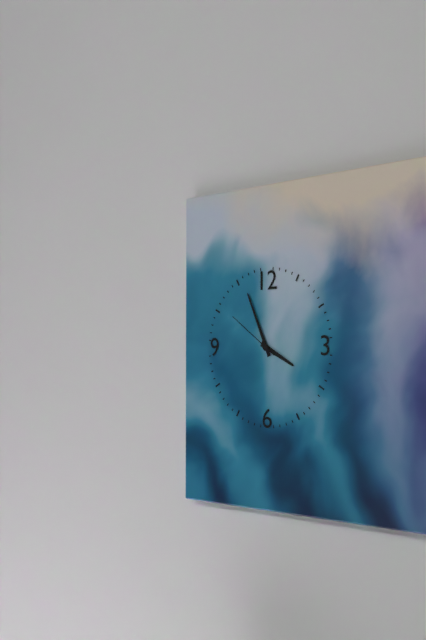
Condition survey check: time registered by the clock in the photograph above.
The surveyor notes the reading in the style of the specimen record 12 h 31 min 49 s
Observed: 3 h 56 min 51 s
